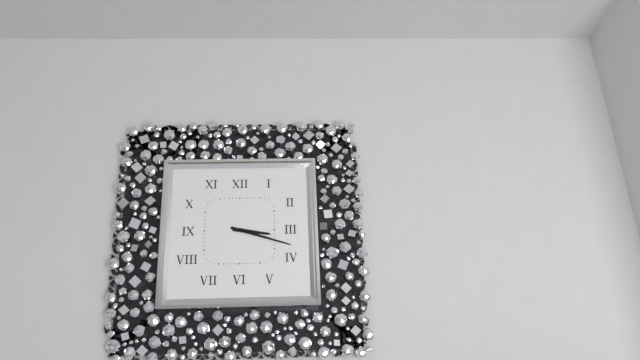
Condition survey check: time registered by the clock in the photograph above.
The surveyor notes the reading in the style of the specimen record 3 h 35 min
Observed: 3 h 18 min
